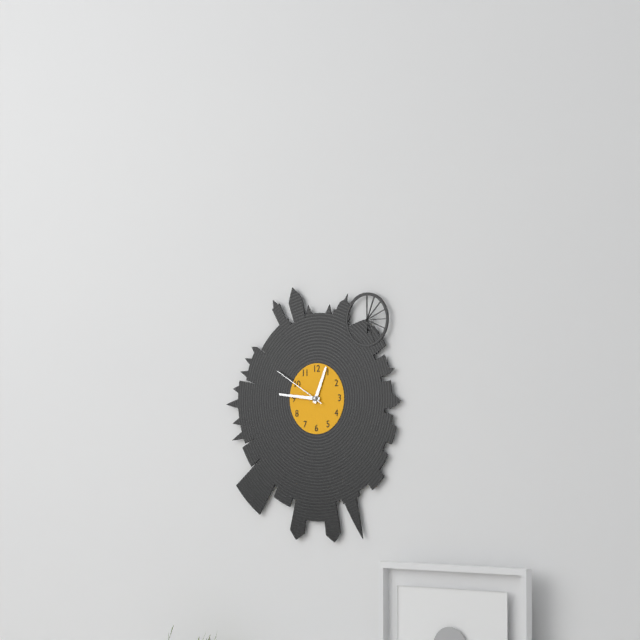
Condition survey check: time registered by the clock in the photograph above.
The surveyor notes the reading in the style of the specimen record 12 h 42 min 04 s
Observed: 12 h 46 min 50 s
